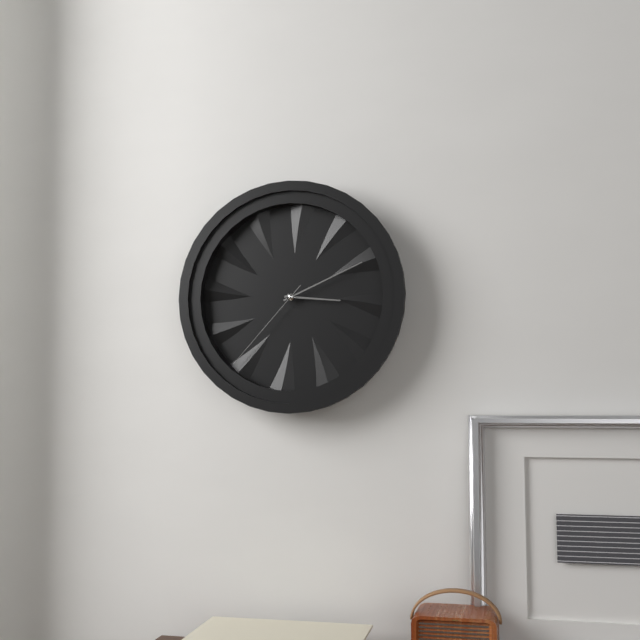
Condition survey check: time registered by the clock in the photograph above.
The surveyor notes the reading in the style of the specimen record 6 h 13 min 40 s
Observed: 3 h 11 min 37 s
